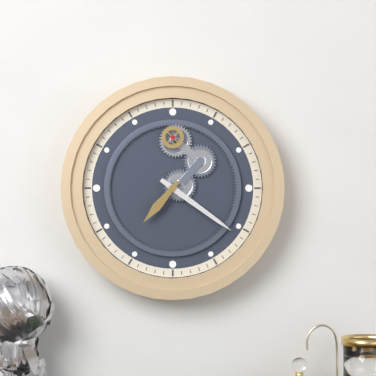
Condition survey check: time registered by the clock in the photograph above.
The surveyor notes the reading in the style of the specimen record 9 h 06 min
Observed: 7 h 21 min
